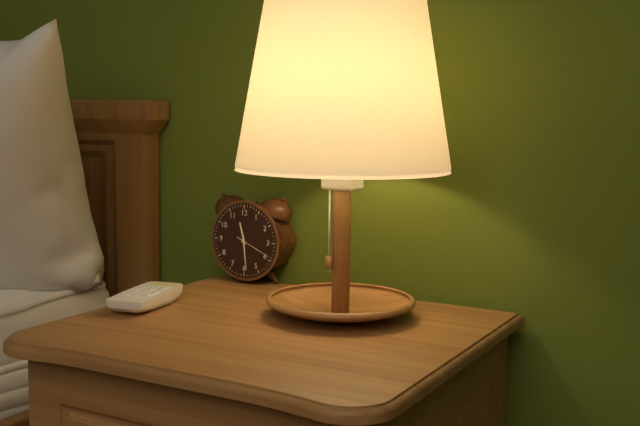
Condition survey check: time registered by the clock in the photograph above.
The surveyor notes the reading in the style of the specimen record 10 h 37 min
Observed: 11 h 29 min
